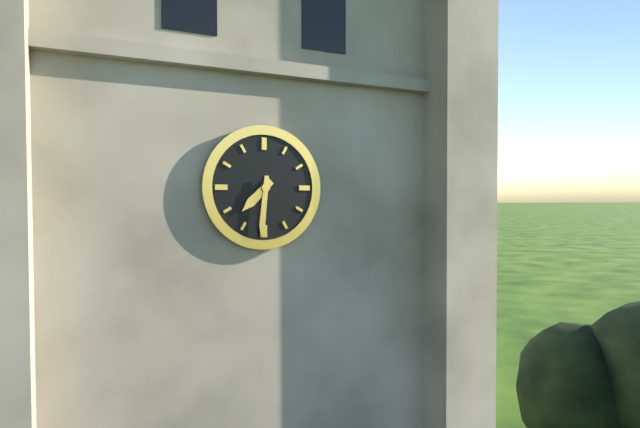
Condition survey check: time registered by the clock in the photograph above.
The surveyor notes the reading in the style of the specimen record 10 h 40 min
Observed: 7 h 31 min
